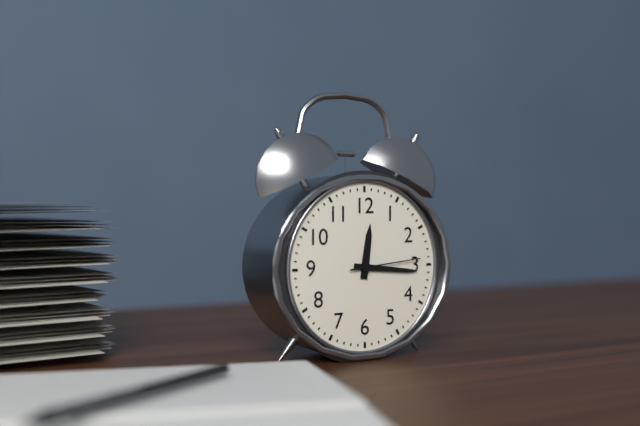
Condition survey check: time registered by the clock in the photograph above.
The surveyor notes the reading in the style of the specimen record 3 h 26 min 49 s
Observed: 12 h 16 min 14 s
